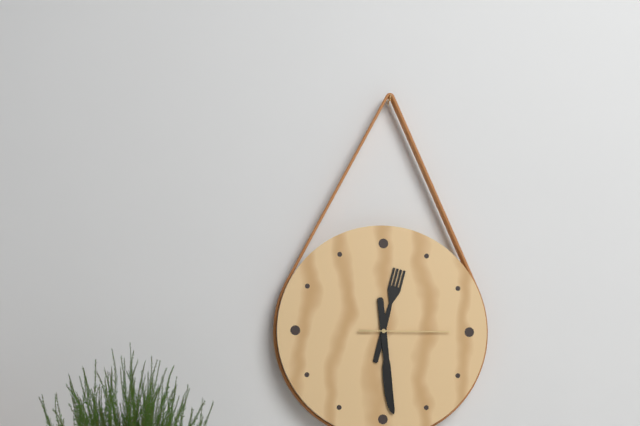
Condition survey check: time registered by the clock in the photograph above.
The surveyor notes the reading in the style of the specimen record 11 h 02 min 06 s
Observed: 12 h 29 min 15 s
